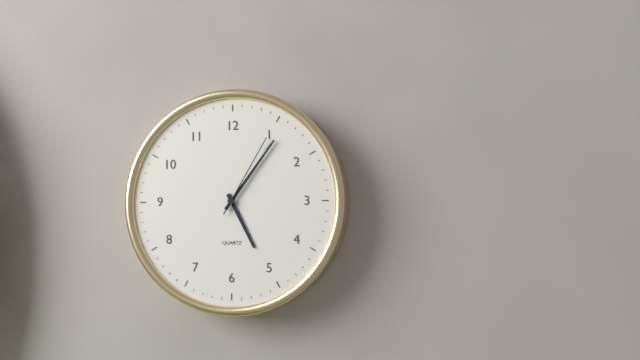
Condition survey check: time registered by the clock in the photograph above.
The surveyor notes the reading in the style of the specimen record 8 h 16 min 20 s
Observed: 5 h 06 min 05 s
